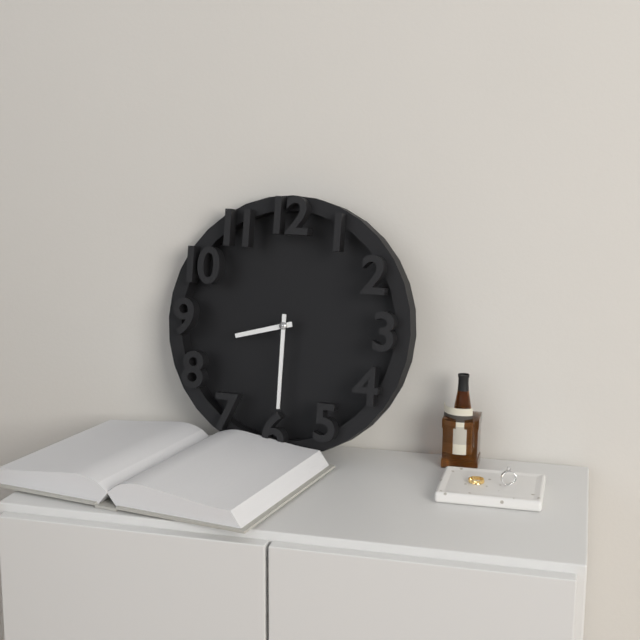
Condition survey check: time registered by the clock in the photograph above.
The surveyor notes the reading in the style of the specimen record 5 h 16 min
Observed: 8 h 30 min
